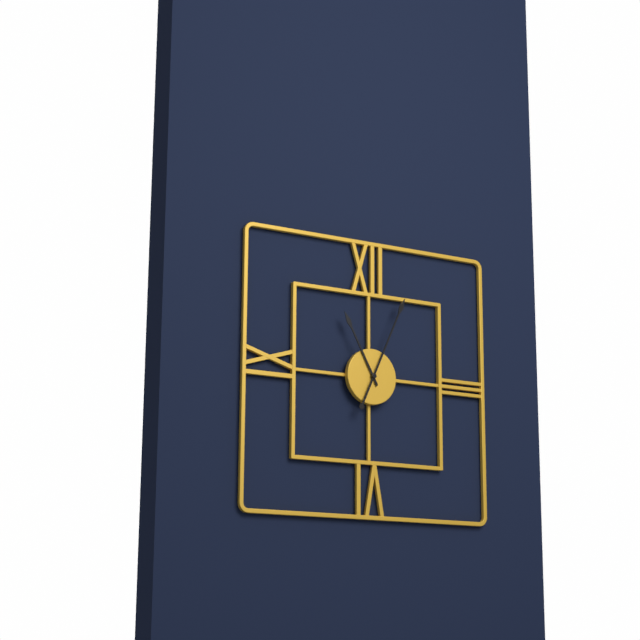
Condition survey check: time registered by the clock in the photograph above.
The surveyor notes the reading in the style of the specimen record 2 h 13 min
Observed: 11 h 04 min
